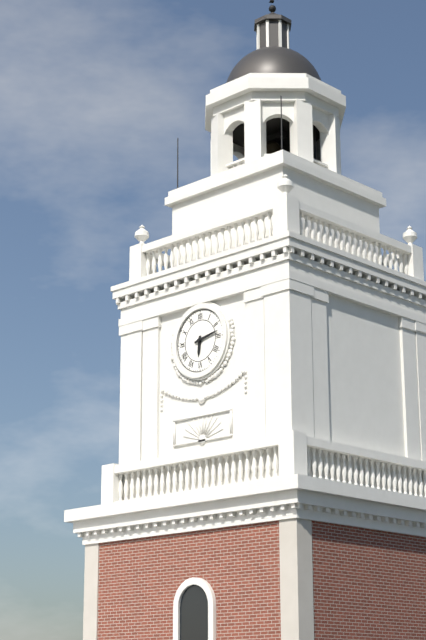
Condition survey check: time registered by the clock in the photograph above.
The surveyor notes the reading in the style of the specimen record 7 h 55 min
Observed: 6 h 13 min
